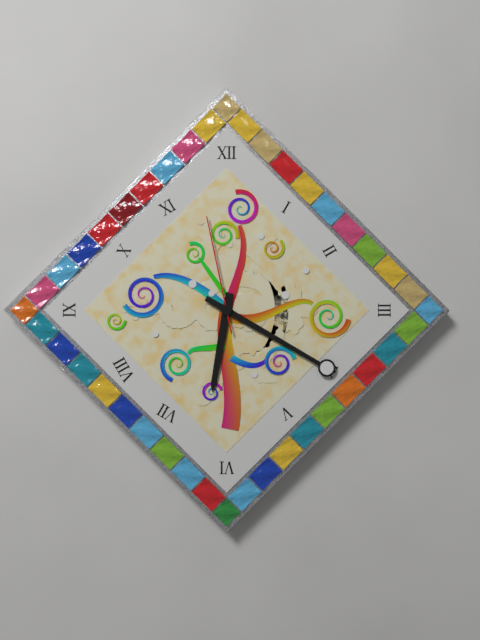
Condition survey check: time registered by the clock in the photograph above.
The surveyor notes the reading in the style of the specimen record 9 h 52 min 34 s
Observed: 6 h 20 min 58 s
